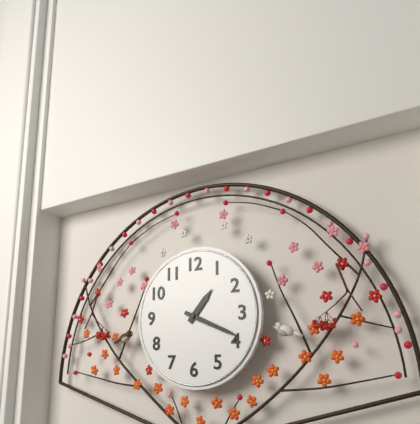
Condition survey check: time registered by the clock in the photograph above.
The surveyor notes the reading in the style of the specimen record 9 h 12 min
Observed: 1 h 19 min
